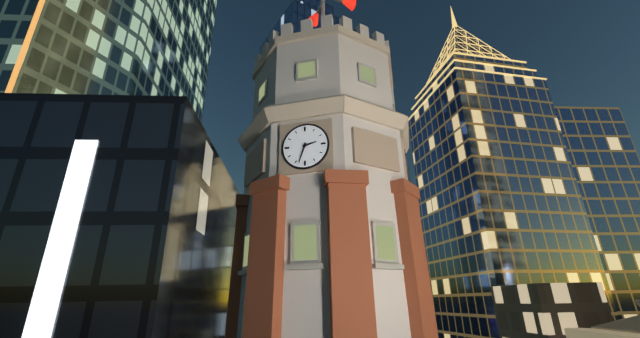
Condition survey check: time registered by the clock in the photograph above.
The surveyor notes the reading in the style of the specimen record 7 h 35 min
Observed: 2 h 33 min
